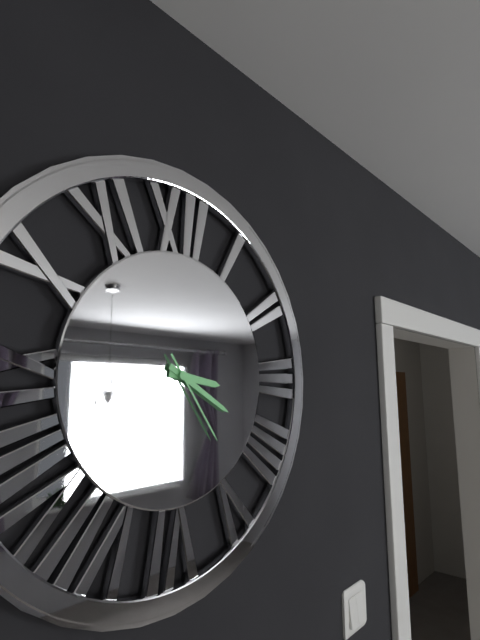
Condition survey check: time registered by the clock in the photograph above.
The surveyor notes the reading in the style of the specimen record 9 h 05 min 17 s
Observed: 3 h 20 min 24 s
